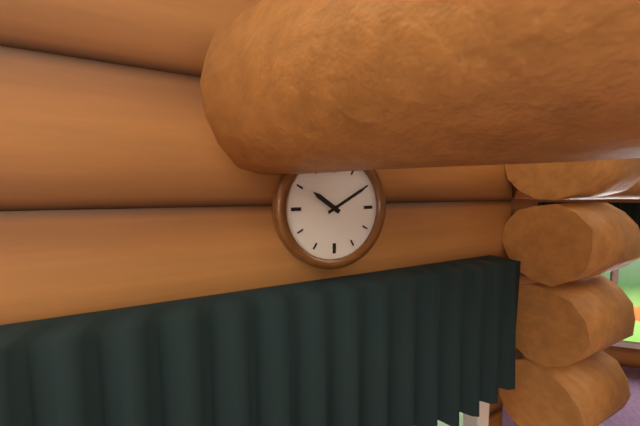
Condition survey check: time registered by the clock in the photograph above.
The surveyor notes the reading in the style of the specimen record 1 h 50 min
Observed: 10 h 10 min
